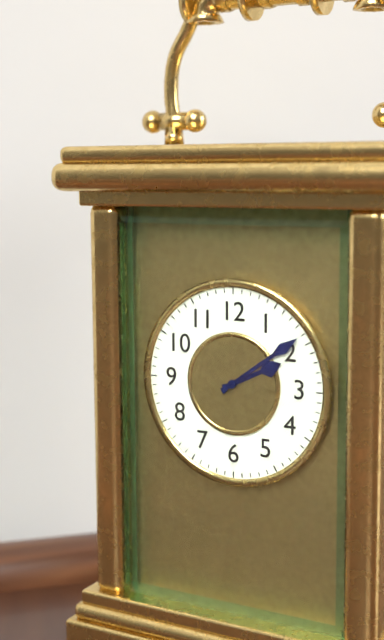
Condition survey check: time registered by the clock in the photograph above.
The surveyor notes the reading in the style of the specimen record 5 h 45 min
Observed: 2 h 09 min
